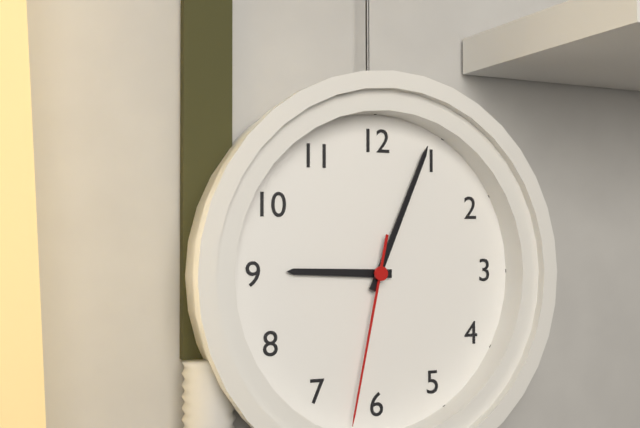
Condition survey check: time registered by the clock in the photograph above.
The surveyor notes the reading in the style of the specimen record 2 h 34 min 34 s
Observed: 9 h 04 min 32 s
